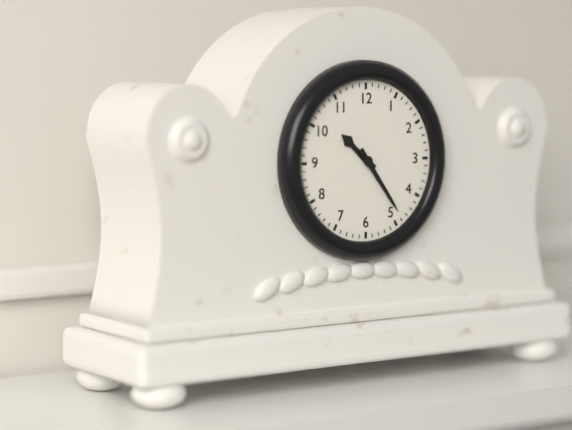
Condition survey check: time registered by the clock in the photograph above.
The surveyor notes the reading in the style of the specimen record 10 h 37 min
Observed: 10 h 24 min
